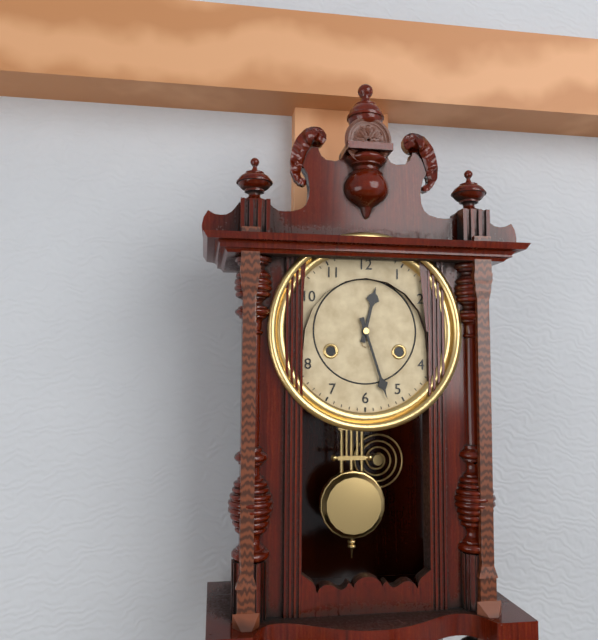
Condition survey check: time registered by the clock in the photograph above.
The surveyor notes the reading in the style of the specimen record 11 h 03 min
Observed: 12 h 27 min
